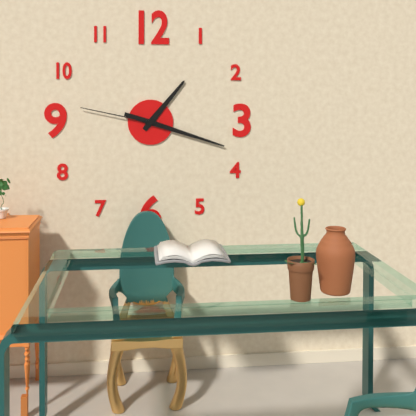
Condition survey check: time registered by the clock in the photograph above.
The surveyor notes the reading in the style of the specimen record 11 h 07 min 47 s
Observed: 1 h 18 min 47 s
